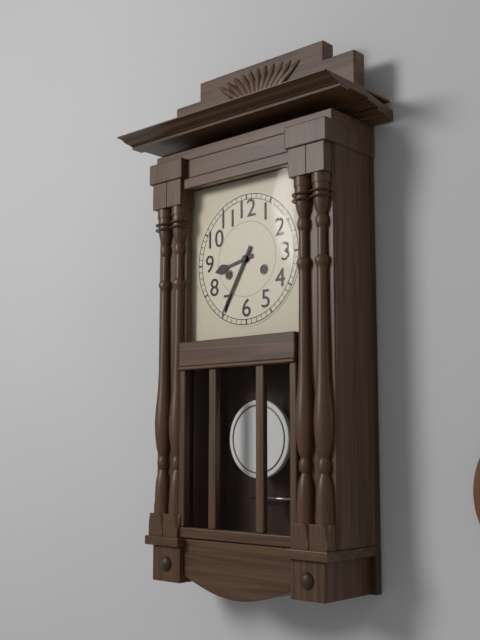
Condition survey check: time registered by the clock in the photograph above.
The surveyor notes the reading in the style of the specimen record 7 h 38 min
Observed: 8 h 35 min
